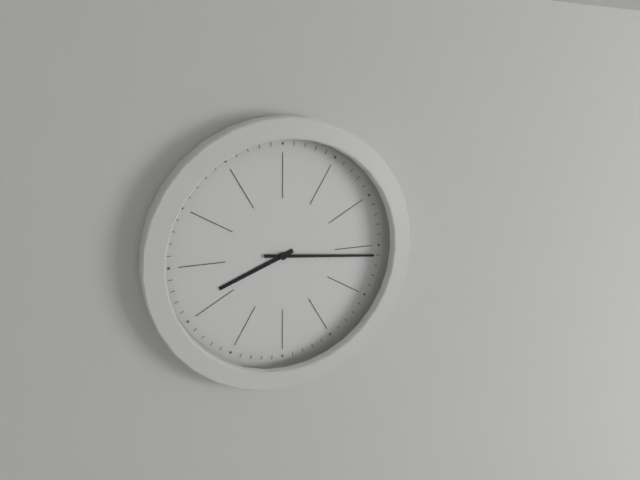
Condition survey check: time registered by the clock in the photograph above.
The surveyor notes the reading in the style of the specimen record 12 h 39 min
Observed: 8 h 16 min
